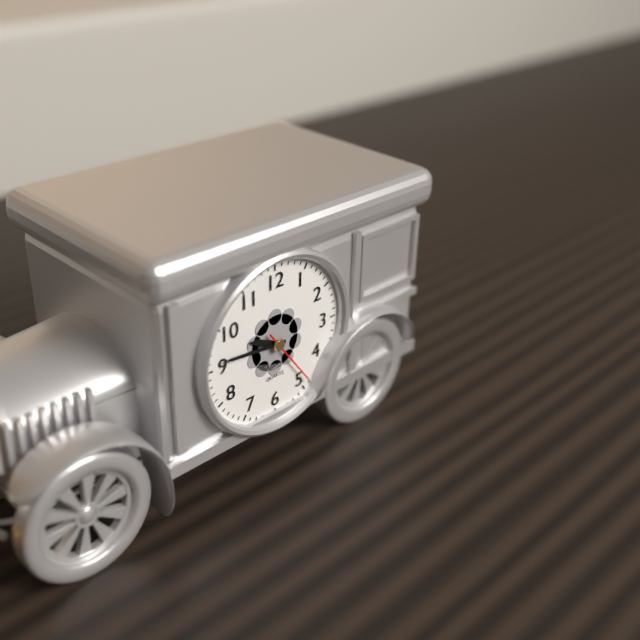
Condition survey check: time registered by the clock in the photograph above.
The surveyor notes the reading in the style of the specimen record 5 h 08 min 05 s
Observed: 9 h 46 min 24 s
